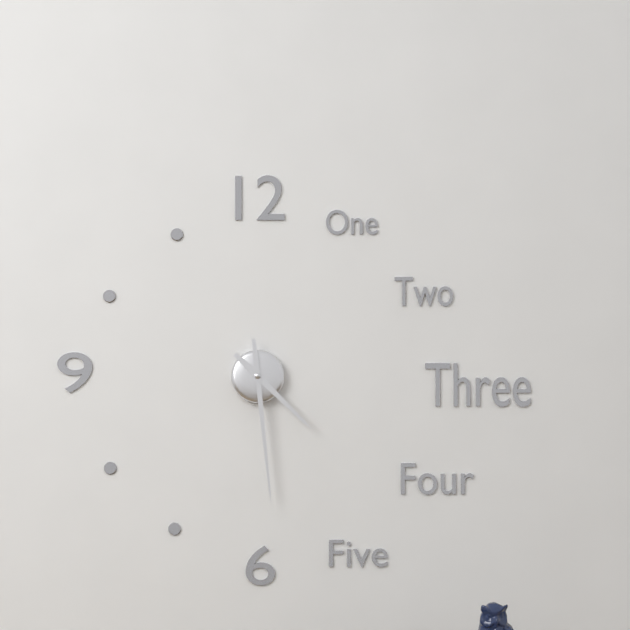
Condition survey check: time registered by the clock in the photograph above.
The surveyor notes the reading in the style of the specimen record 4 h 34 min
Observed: 4 h 29 min
